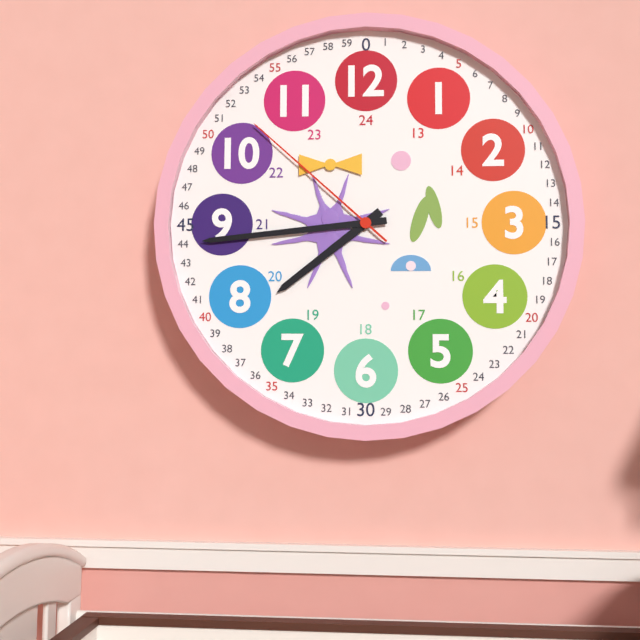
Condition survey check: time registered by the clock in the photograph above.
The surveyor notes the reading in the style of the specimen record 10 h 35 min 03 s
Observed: 7 h 44 min 52 s
